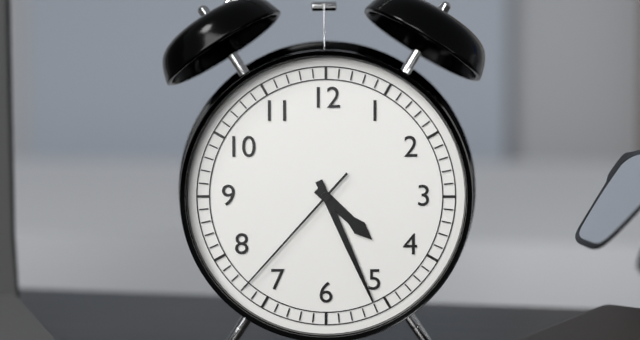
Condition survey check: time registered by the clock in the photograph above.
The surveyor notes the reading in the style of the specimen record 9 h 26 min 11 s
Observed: 4 h 26 min 37 s
